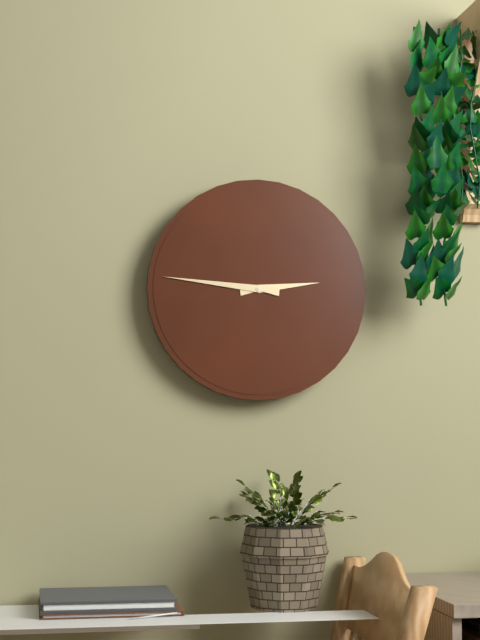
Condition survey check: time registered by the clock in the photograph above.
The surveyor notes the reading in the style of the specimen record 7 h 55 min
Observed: 2 h 46 min
